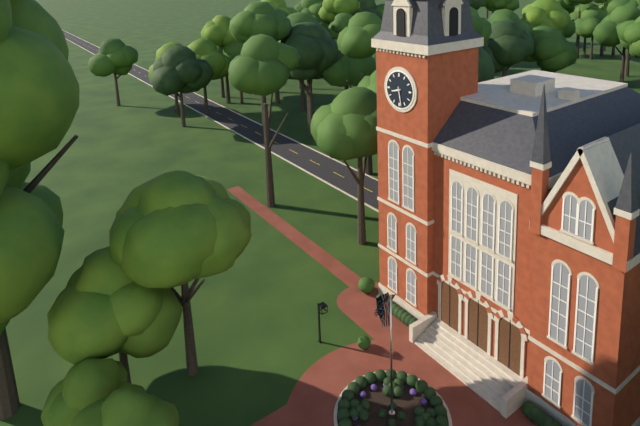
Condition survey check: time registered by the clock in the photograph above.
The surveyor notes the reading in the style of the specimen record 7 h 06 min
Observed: 8 h 28 min
